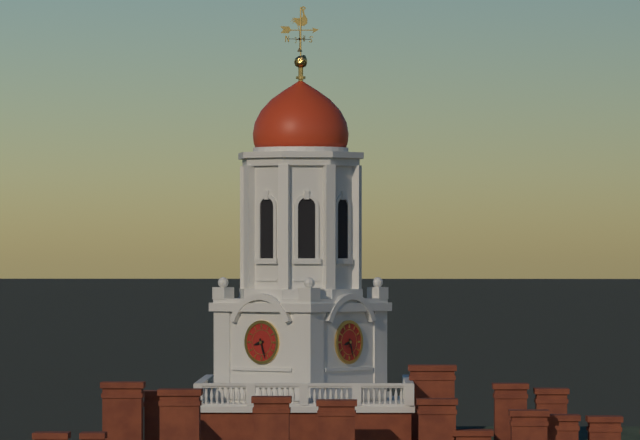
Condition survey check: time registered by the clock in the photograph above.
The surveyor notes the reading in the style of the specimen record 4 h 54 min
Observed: 8 h 27 min
